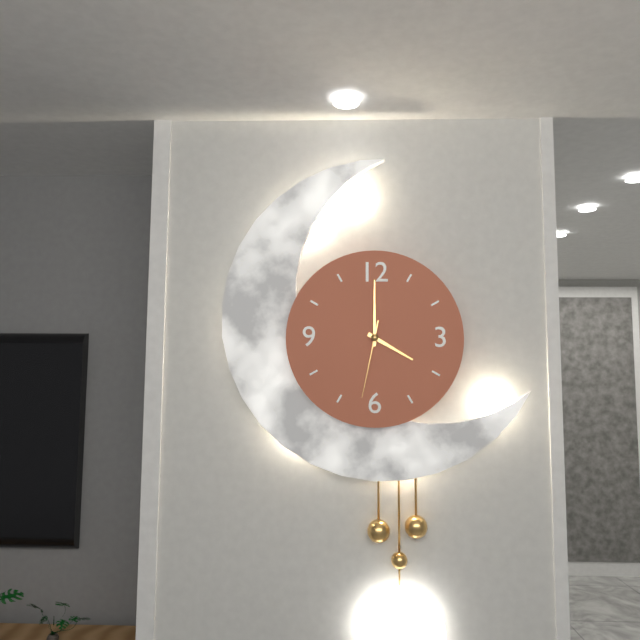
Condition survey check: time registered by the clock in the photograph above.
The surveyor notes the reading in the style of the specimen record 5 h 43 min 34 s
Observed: 4 h 00 min 32 s
